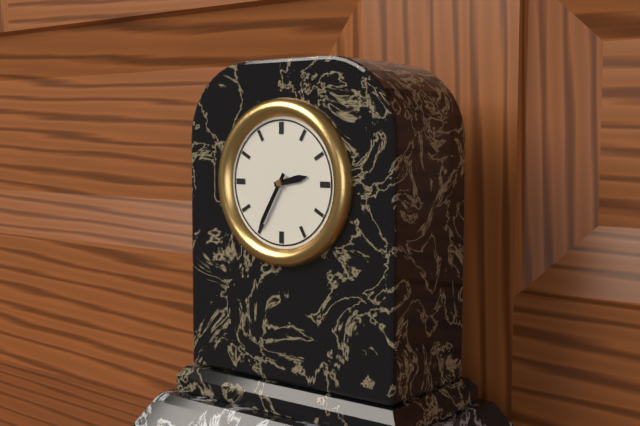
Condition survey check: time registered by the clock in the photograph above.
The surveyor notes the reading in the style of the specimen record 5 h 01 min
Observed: 2 h 35 min
